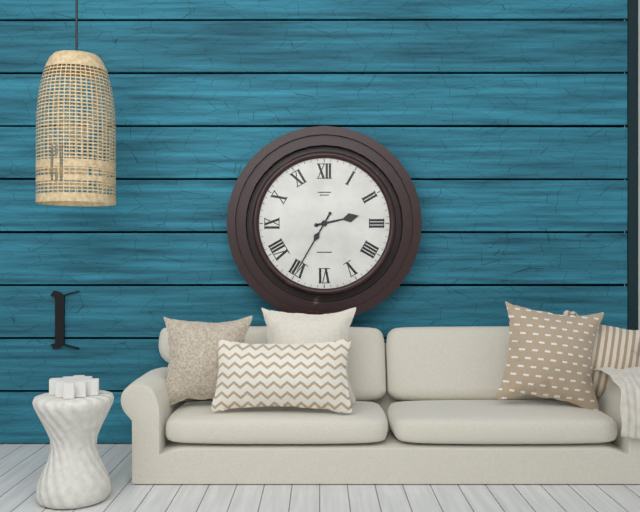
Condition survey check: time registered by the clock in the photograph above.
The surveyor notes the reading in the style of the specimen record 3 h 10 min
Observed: 2 h 35 min
